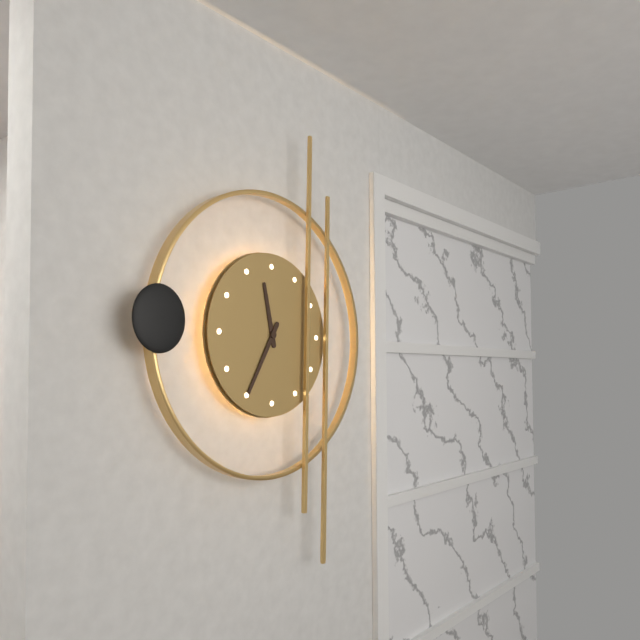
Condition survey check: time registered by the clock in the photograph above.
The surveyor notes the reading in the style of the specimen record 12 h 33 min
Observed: 11 h 35 min
